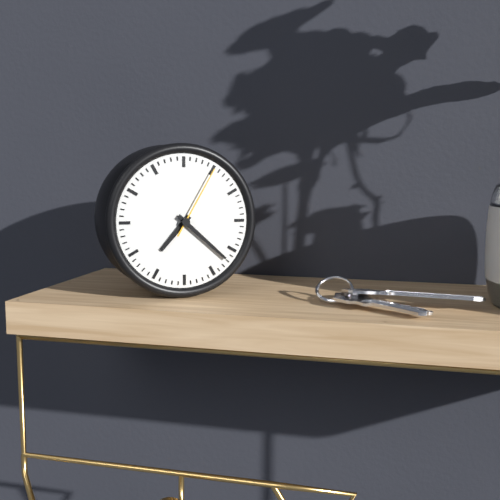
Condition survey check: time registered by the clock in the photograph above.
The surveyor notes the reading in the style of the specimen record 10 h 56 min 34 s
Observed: 7 h 22 min 05 s
